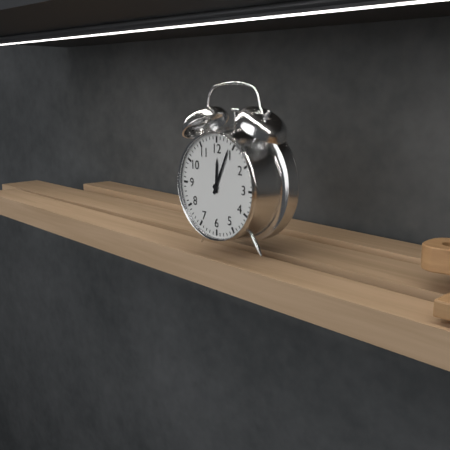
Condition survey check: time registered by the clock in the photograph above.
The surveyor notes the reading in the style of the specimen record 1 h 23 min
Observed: 12 h 04 min
